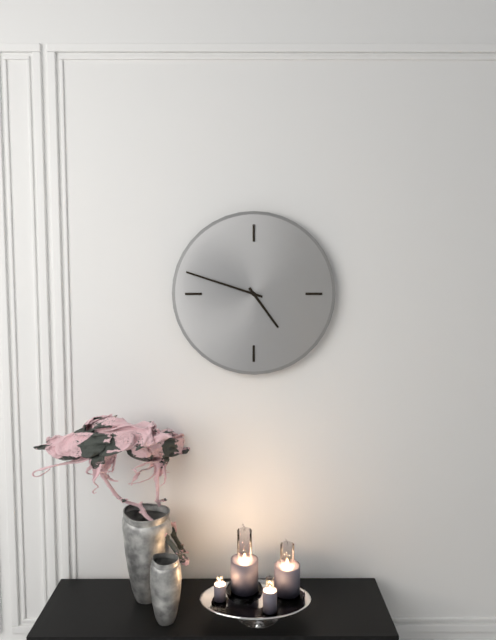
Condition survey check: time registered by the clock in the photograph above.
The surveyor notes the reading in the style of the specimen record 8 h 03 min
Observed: 4 h 48 min
